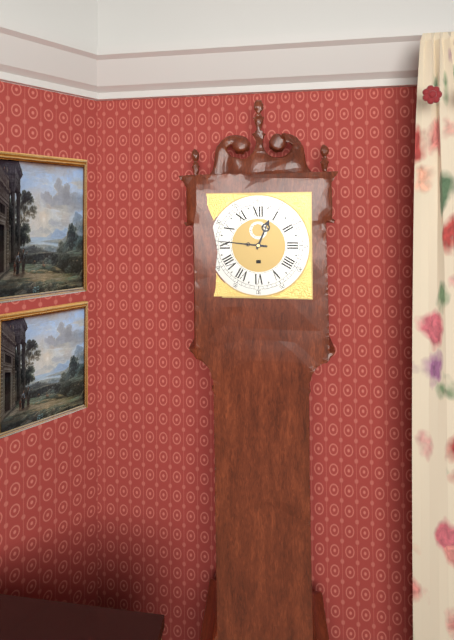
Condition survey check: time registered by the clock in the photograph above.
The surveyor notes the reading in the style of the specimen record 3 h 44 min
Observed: 12 h 46 min
